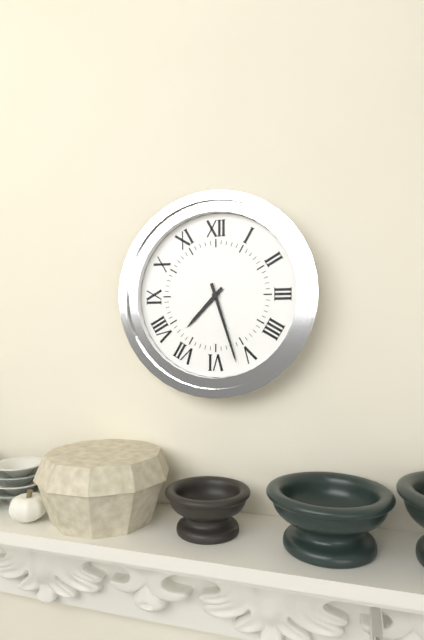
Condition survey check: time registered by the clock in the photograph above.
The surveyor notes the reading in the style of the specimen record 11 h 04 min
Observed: 7 h 27 min
